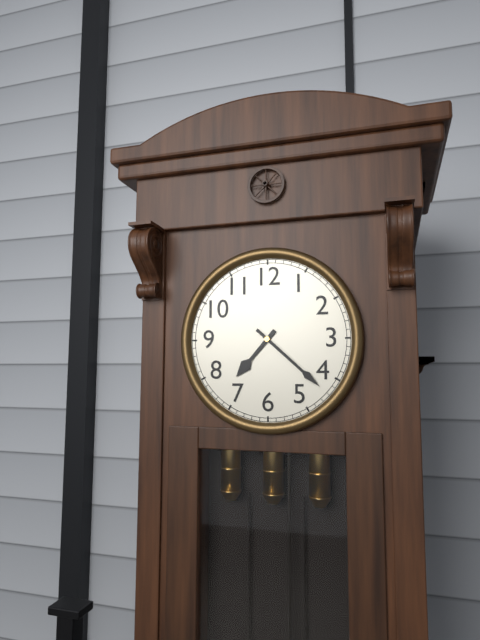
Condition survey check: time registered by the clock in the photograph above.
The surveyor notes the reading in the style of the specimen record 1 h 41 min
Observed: 7 h 22 min
